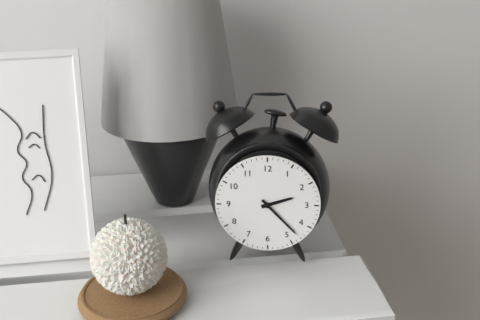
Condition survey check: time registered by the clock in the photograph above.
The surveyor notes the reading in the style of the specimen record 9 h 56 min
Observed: 2 h 23 min
